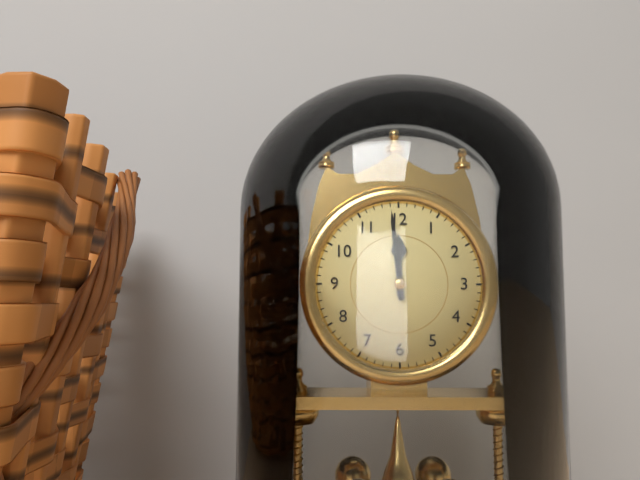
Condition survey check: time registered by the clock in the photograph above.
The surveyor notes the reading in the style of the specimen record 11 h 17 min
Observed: 11 h 59 min
